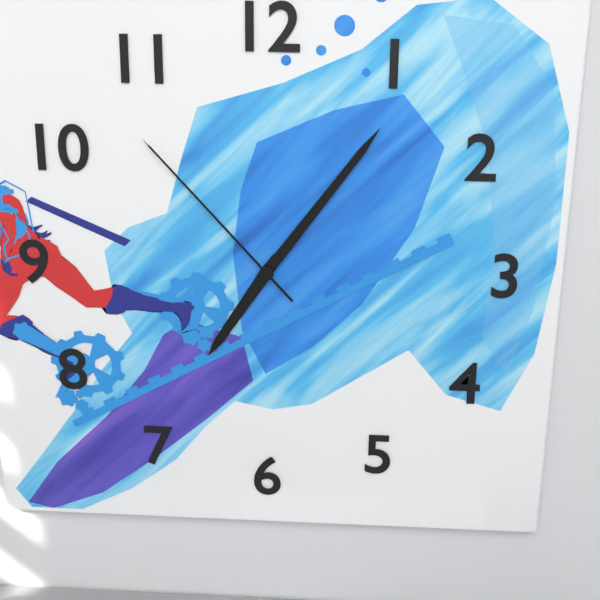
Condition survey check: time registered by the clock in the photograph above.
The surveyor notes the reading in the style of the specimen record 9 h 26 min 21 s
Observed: 7 h 06 min 53 s
